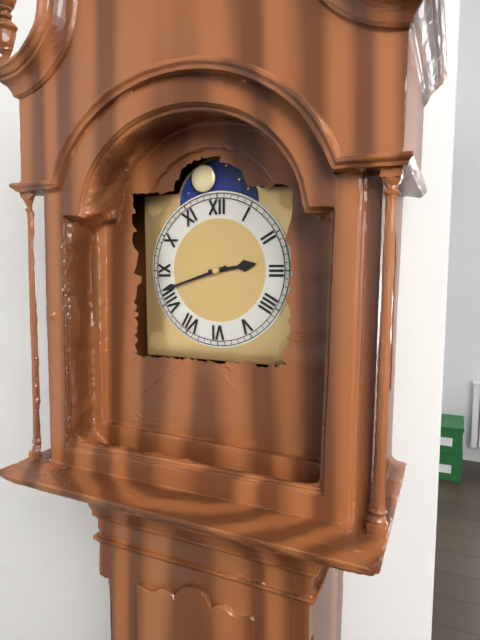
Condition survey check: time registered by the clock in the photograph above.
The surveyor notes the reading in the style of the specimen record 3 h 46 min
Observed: 2 h 42 min
